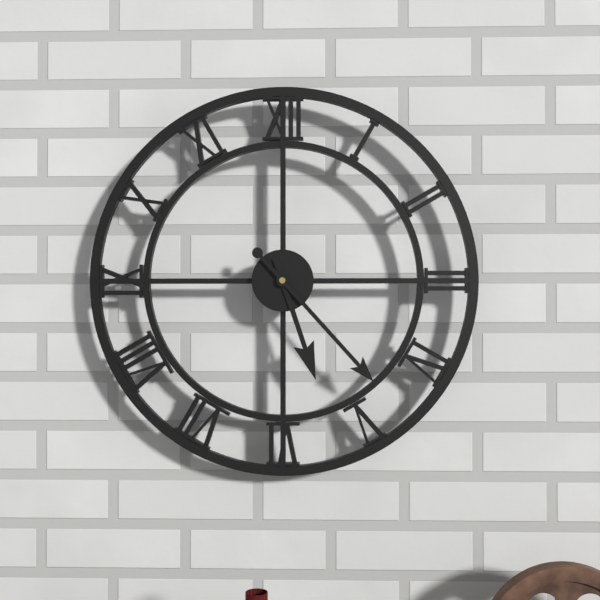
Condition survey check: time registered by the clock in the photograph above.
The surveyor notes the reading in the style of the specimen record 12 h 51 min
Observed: 5 h 23 min
